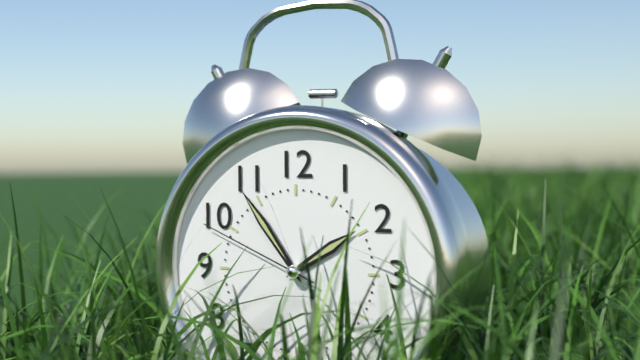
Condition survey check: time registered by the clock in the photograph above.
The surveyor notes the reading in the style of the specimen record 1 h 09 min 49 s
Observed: 1 h 54 min 49 s
